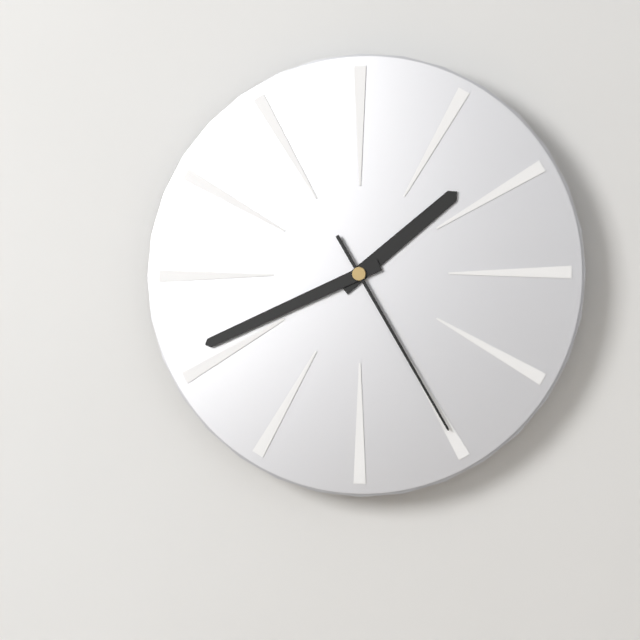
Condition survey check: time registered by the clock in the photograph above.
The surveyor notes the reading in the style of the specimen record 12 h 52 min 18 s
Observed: 1 h 41 min 25 s
